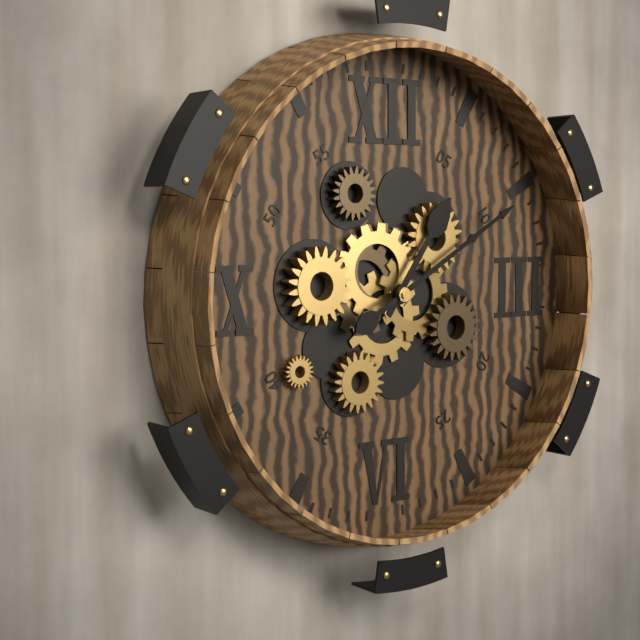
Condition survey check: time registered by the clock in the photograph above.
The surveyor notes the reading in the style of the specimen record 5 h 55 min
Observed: 1 h 10 min
